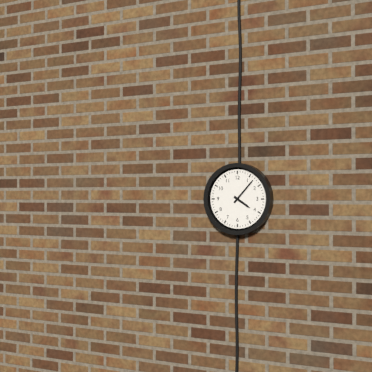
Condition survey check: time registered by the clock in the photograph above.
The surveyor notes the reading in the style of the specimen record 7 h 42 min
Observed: 4 h 07 min
